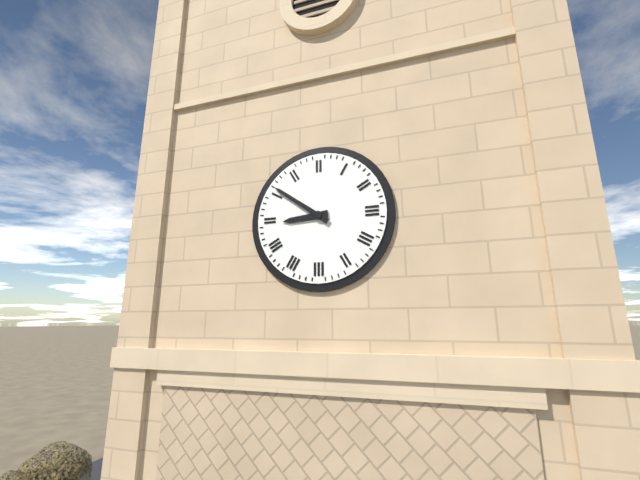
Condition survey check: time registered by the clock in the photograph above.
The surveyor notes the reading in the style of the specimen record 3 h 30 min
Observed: 8 h 51 min
